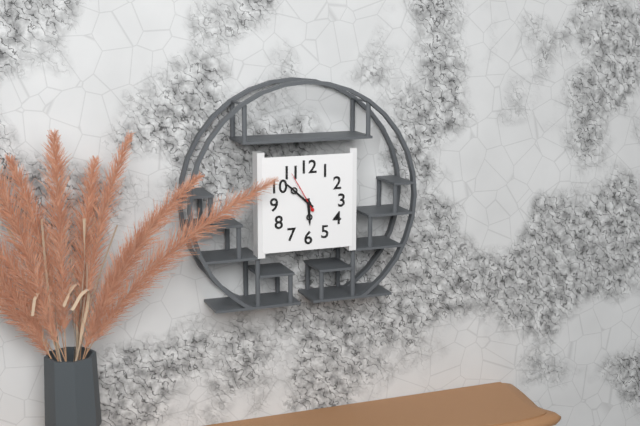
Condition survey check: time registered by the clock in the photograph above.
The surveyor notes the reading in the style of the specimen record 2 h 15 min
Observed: 5 h 52 min
